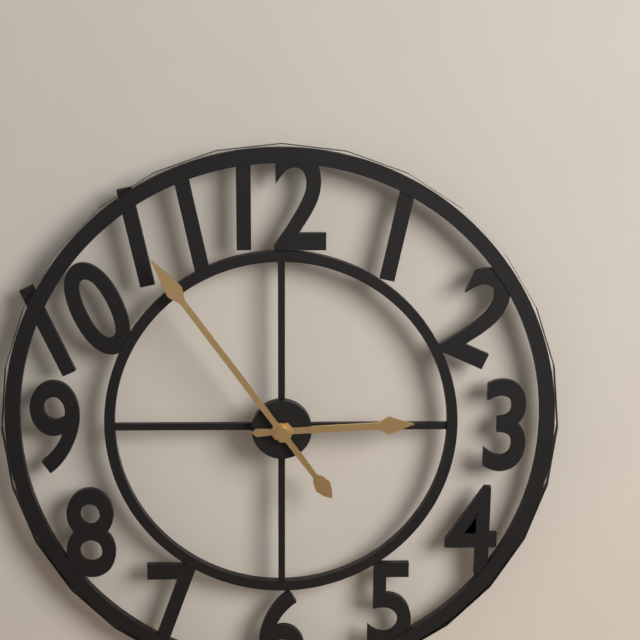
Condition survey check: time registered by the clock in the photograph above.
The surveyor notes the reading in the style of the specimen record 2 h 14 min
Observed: 2 h 54 min
